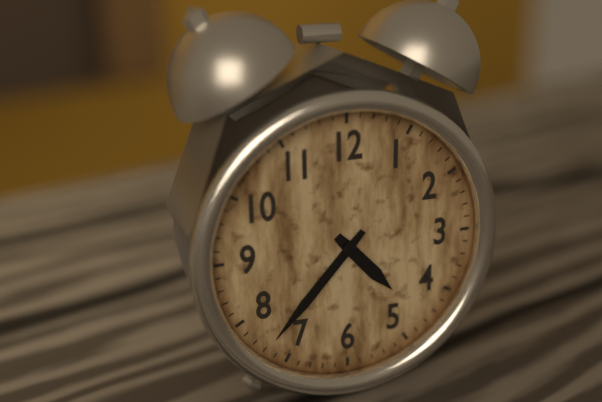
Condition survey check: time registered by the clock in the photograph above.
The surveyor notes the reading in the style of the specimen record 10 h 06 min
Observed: 4 h 37 min
